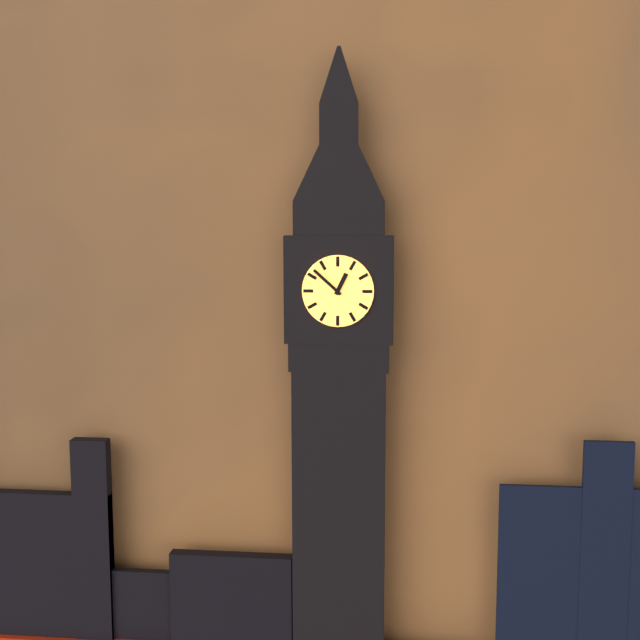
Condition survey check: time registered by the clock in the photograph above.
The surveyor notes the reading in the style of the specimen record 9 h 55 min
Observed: 12 h 52 min
